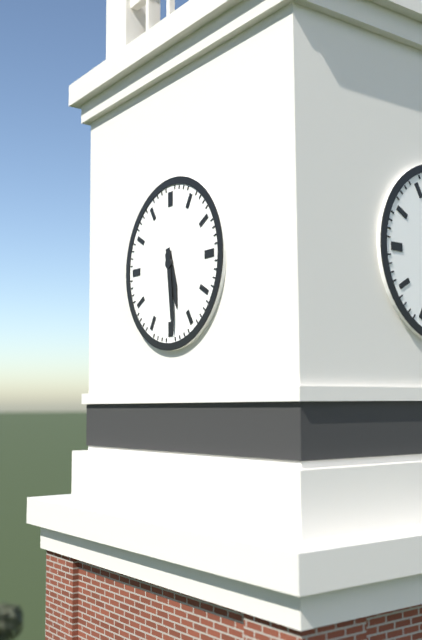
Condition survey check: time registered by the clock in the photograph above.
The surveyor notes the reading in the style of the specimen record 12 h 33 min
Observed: 5 h 29 min
